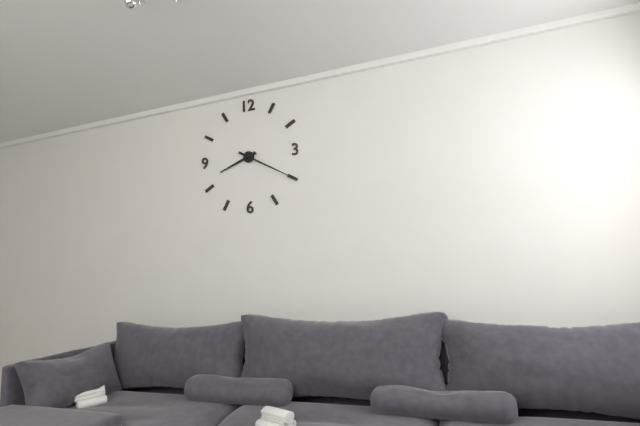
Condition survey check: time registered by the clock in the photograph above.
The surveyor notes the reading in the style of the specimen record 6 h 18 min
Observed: 8 h 20 min
